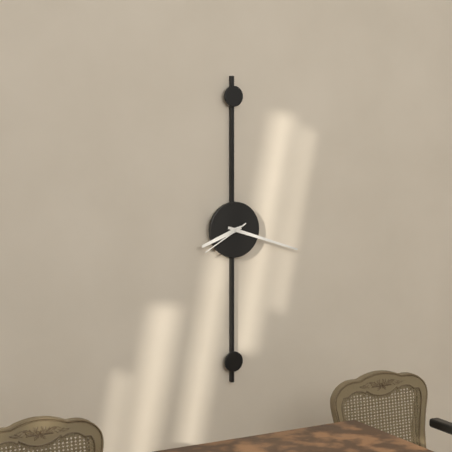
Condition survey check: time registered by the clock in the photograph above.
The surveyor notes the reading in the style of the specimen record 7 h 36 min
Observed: 8 h 18 min
